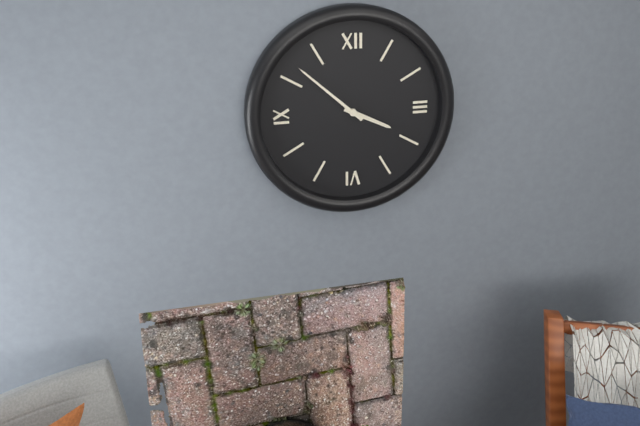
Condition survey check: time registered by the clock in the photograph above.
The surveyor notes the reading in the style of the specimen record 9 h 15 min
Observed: 3 h 52 min
